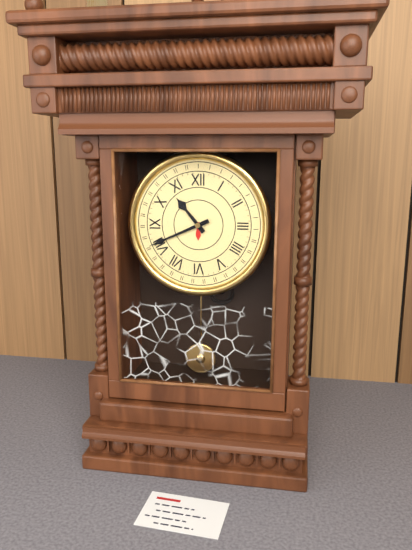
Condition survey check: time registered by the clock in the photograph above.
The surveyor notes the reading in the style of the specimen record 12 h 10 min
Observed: 10 h 41 min
